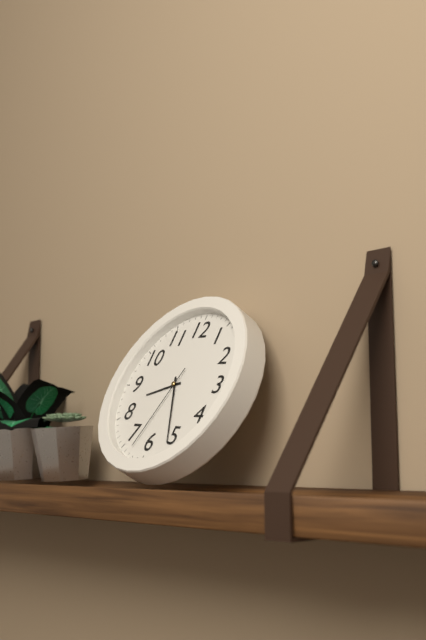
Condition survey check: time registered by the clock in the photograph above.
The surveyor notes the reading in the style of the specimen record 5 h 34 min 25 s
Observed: 8 h 26 min 33 s
